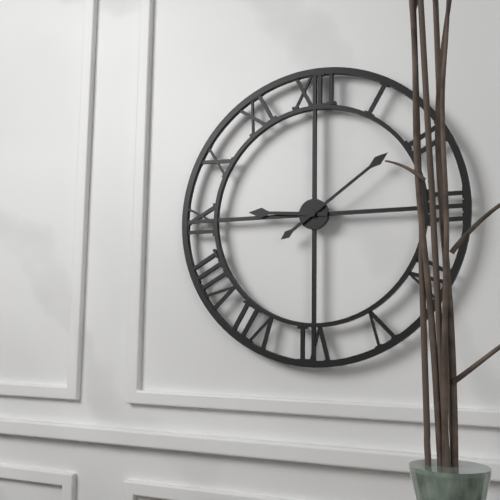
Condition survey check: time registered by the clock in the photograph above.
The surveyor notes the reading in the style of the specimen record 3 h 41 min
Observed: 9 h 09 min
